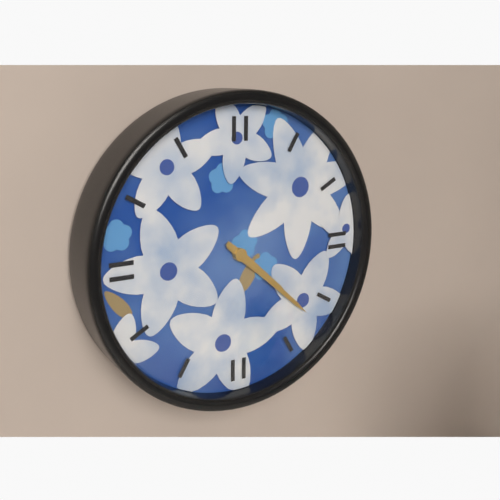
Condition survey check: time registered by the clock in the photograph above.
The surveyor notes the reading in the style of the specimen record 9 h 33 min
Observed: 4 h 22 min
